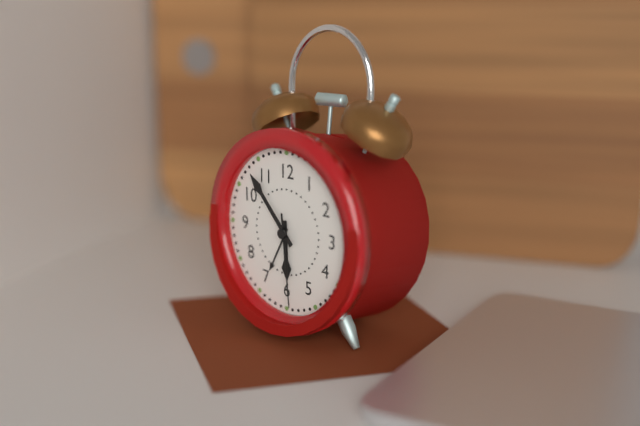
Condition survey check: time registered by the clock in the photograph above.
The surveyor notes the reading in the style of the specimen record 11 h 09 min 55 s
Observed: 5 h 53 min 29 s
